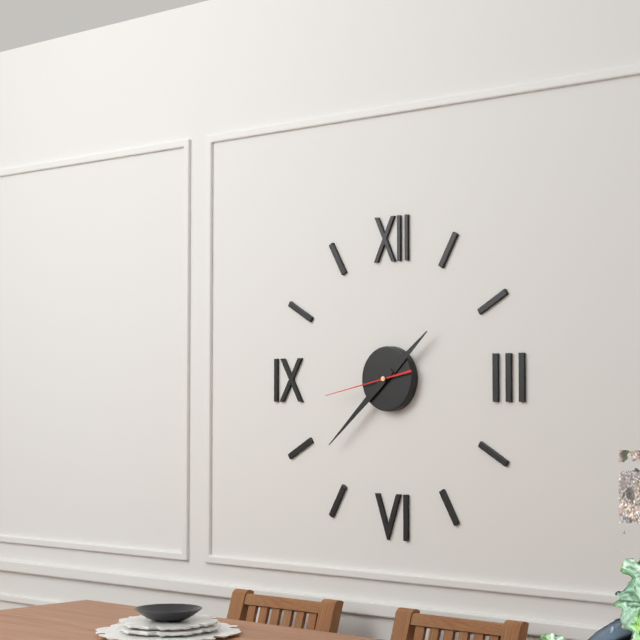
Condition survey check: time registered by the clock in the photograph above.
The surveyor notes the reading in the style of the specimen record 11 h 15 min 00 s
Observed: 1 h 38 min 43 s
